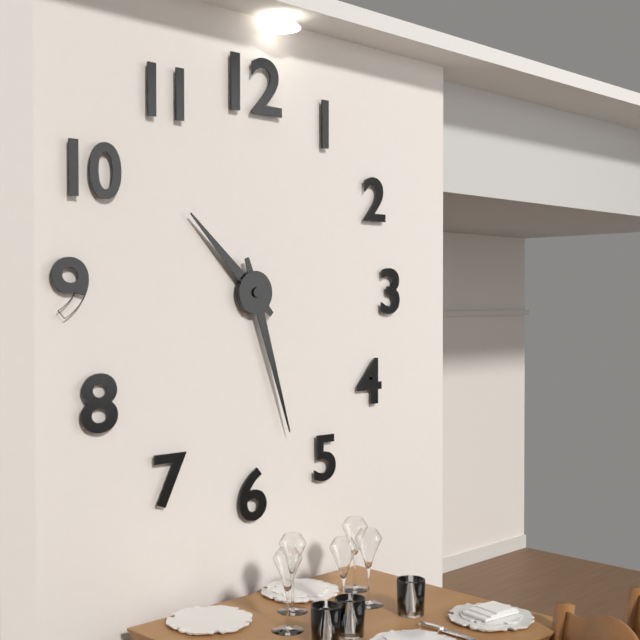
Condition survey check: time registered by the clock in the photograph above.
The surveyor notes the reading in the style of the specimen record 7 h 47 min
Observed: 10 h 27 min
